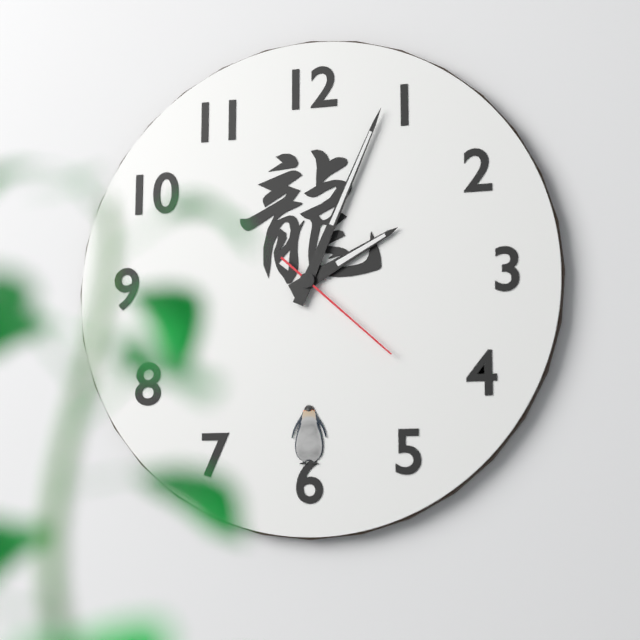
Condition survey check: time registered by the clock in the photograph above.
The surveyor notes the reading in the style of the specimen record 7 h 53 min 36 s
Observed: 2 h 04 min 22 s
